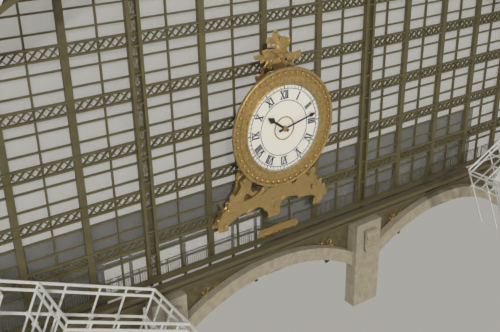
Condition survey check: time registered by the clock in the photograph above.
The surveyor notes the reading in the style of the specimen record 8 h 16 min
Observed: 10 h 13 min
